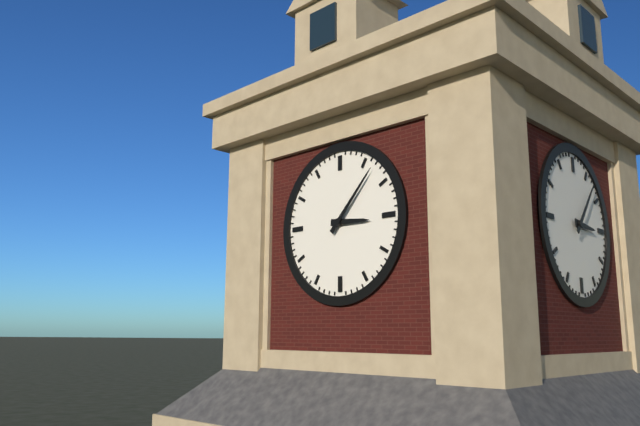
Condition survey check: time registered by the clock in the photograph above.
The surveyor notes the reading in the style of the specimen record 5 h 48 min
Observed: 3 h 07 min
